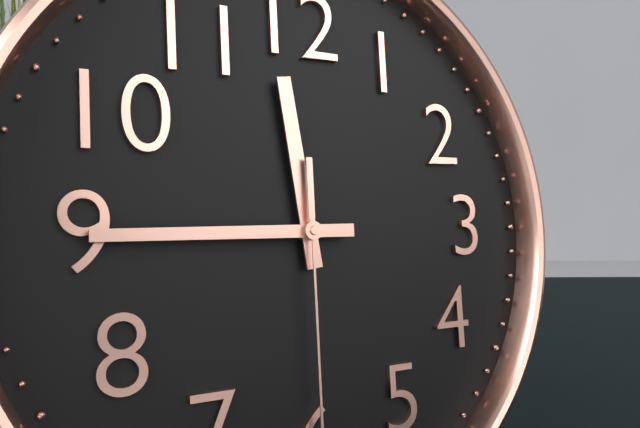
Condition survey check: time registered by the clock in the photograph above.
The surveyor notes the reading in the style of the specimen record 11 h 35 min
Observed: 11 h 45 min
